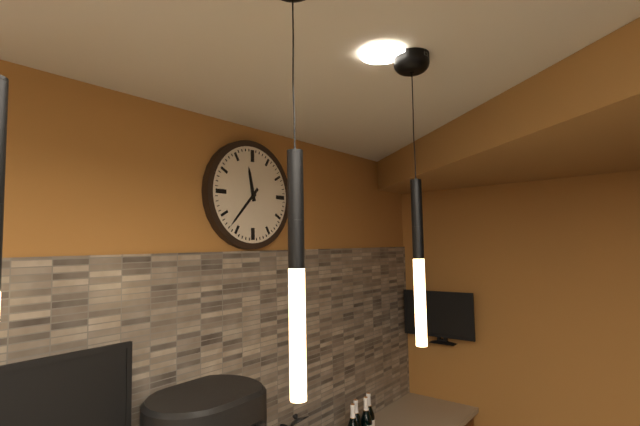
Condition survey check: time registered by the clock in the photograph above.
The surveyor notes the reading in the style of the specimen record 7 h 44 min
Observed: 11 h 37 min
